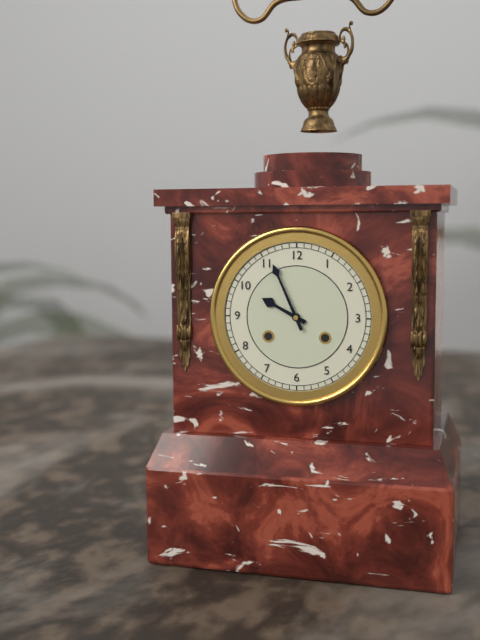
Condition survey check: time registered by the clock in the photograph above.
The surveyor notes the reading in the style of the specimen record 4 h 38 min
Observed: 9 h 56 min
